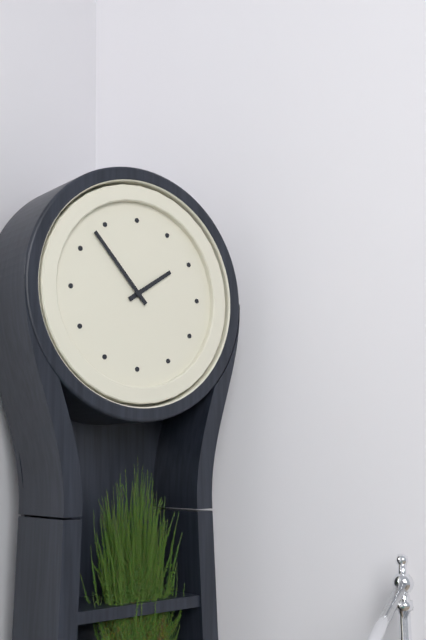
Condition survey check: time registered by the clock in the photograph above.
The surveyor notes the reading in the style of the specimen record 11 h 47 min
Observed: 1 h 53 min
